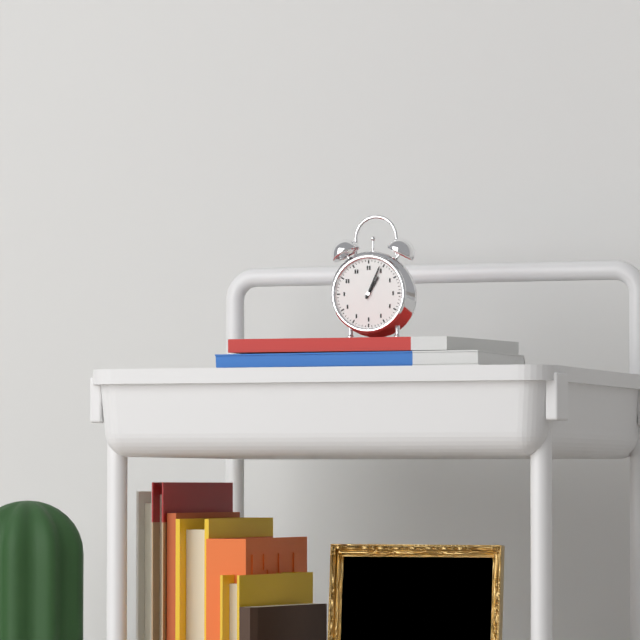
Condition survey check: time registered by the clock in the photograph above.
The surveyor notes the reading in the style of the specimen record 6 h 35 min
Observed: 1 h 04 min
